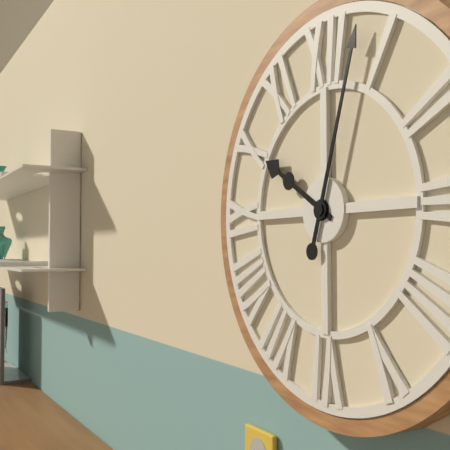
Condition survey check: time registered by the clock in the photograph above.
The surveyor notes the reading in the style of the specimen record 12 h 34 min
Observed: 10 h 03 min
